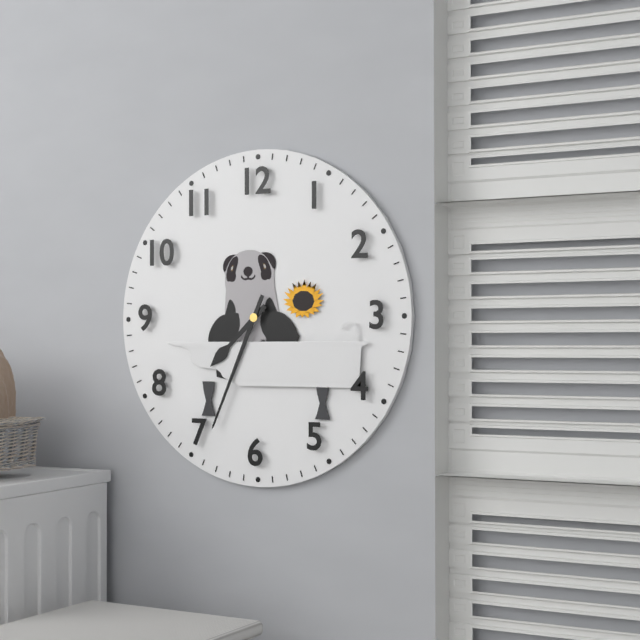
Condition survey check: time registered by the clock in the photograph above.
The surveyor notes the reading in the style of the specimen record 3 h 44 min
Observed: 7 h 34 min
